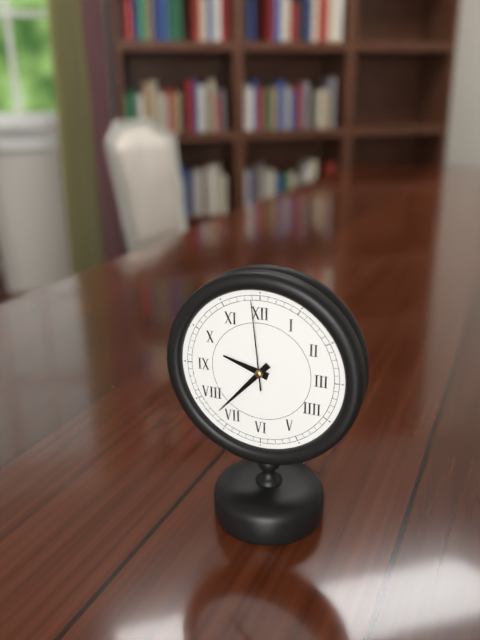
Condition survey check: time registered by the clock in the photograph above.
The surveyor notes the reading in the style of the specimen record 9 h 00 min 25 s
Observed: 9 h 37 min 59 s
